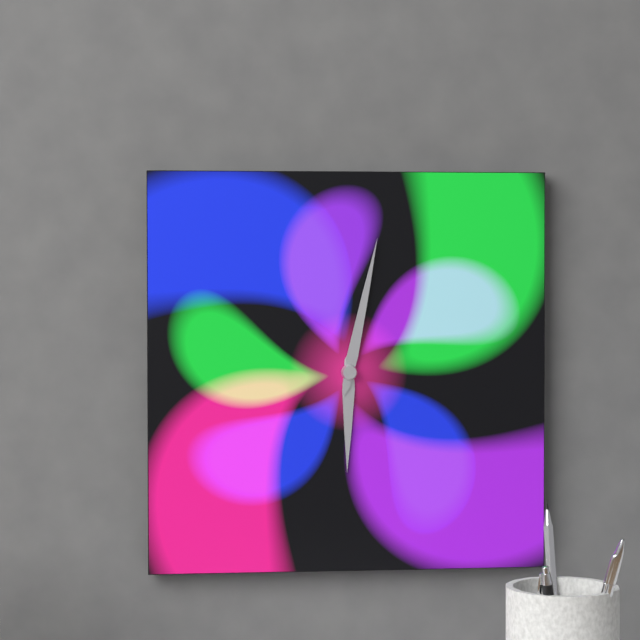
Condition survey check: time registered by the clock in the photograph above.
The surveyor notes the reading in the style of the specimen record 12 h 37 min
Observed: 6 h 02 min
